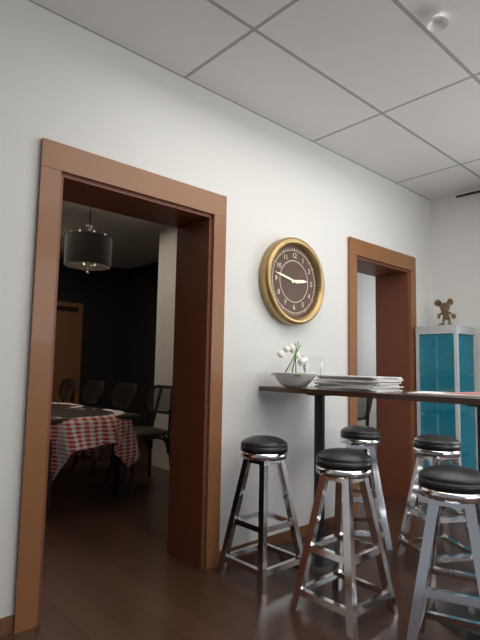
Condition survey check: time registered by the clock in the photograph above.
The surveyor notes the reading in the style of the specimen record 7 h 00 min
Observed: 2 h 47 min
